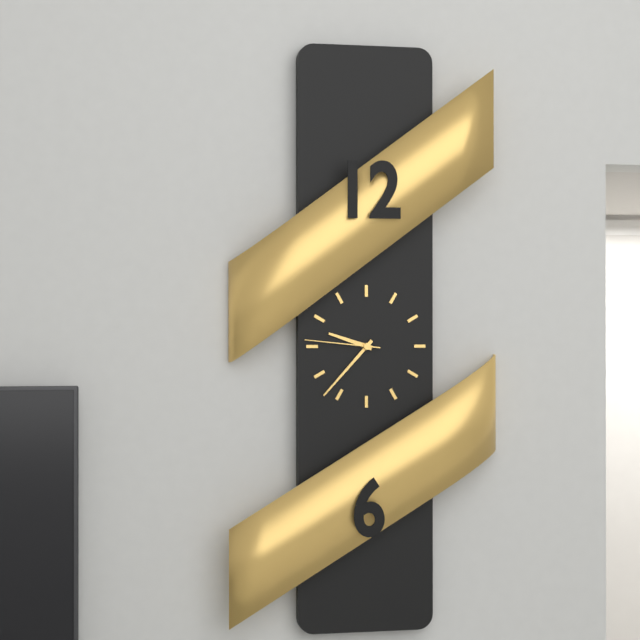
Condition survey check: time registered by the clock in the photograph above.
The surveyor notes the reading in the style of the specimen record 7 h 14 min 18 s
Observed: 9 h 37 min 46 s
